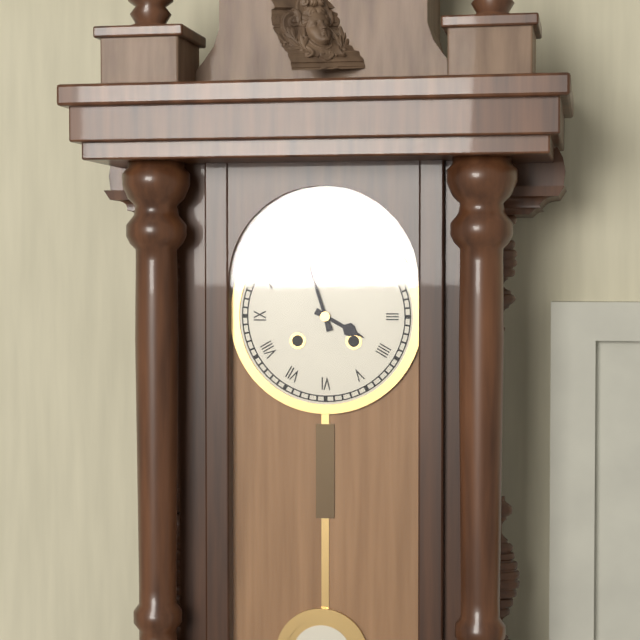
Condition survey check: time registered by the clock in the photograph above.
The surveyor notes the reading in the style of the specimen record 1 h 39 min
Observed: 3 h 57 min
